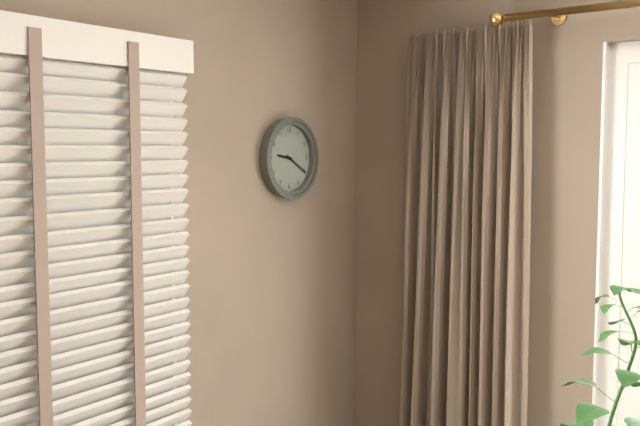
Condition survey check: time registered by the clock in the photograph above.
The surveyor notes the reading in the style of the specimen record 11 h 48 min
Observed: 9 h 20 min
